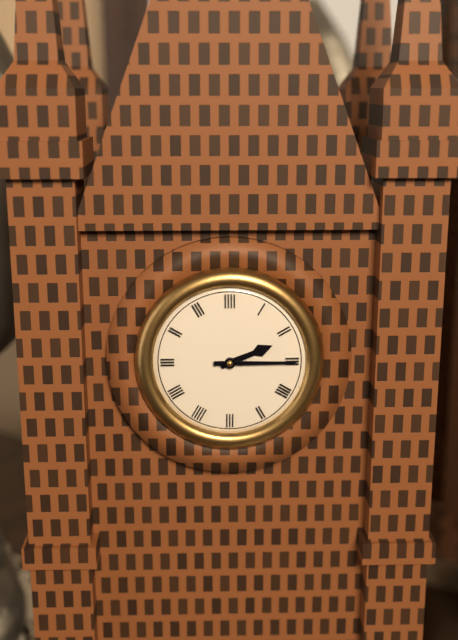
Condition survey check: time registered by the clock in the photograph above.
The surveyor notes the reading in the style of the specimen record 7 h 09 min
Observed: 2 h 15 min
